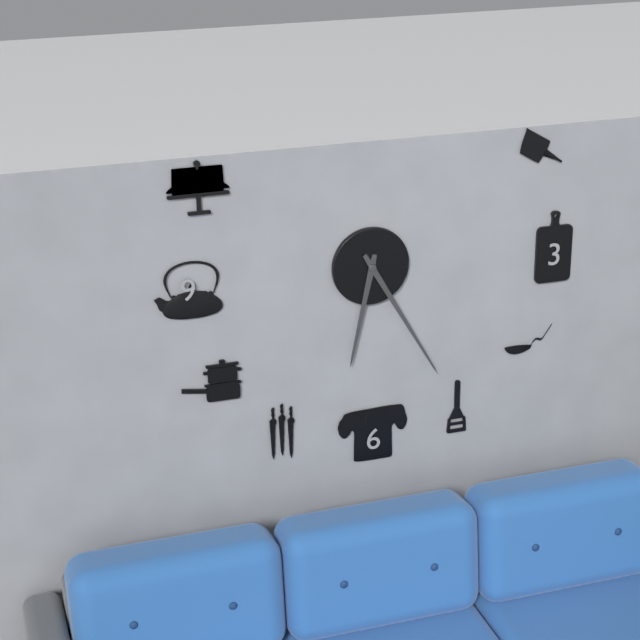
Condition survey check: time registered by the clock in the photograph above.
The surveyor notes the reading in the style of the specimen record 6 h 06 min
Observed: 6 h 25 min
